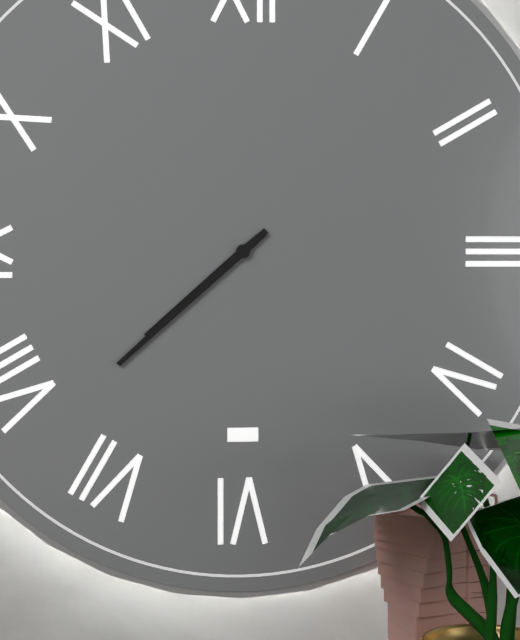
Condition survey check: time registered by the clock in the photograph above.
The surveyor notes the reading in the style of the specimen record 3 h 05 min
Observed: 7 h 38 min
